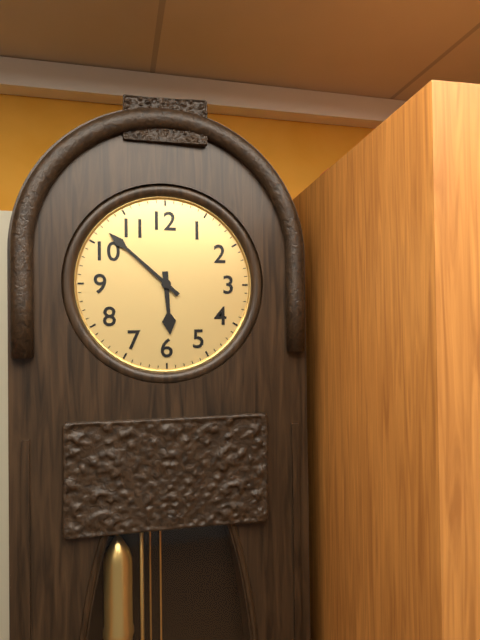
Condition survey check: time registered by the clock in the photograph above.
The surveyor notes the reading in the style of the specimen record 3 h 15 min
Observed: 5 h 52 min
